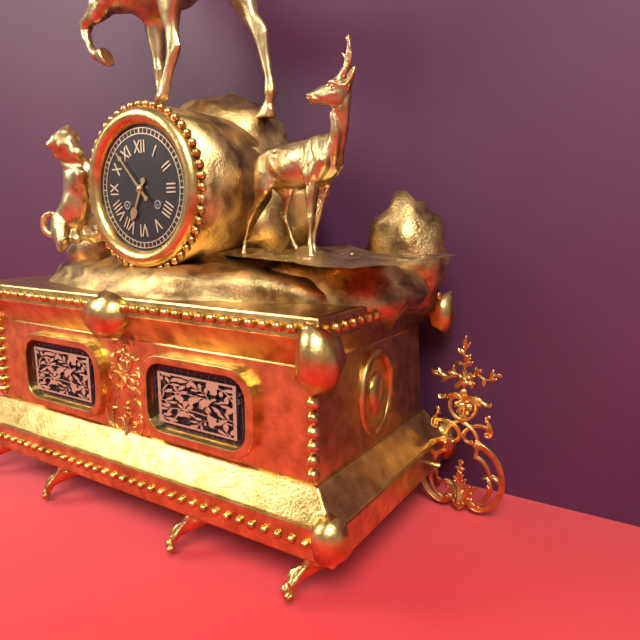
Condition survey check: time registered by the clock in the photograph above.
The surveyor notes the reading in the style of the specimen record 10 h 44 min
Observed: 6 h 53 min
